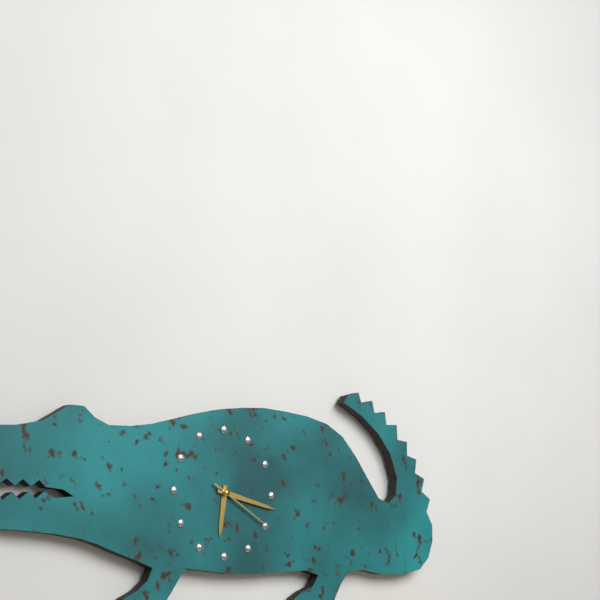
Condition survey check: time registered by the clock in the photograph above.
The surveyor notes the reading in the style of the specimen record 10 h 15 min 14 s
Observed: 6 h 17 min 20 s
